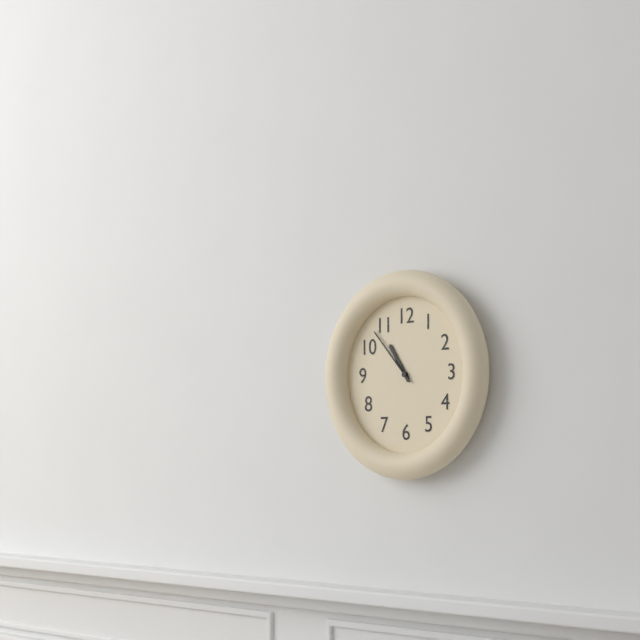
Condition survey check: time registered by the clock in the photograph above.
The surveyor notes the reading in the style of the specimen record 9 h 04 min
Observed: 10 h 53 min
